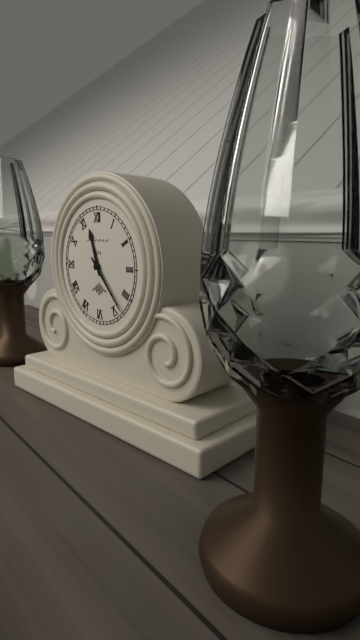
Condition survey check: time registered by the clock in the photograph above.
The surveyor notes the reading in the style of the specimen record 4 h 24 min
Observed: 11 h 23 min
